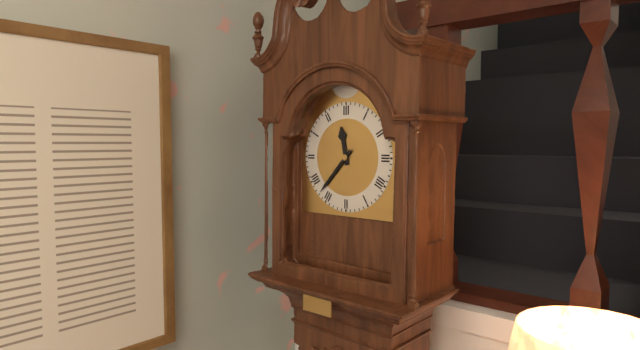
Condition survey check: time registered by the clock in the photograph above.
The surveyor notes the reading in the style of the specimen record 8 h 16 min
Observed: 11 h 37 min
